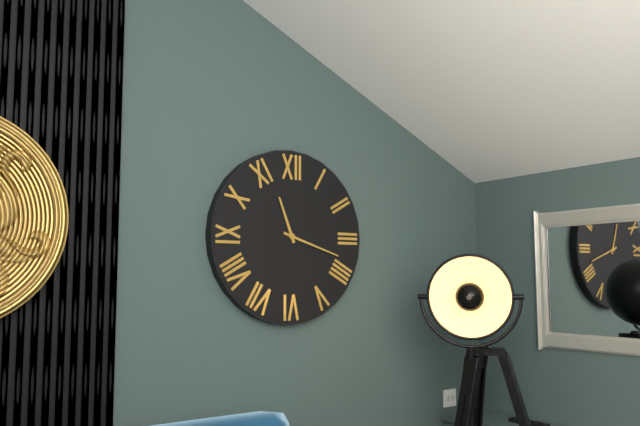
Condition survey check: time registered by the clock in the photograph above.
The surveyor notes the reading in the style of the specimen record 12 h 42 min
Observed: 11 h 18 min
